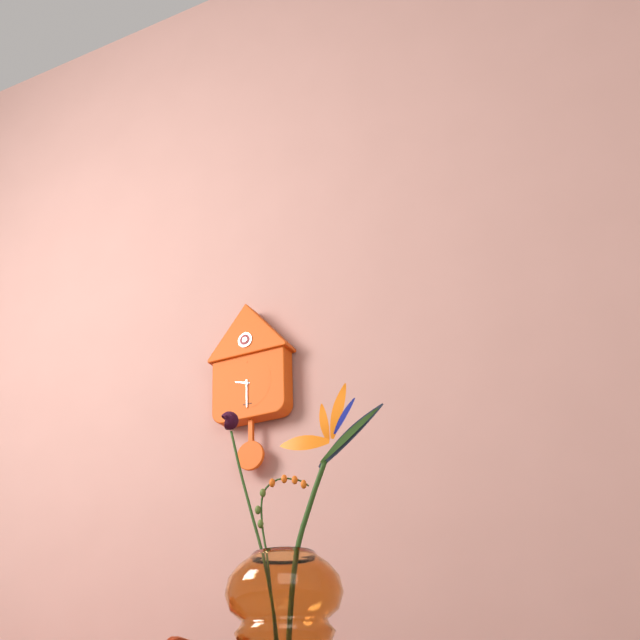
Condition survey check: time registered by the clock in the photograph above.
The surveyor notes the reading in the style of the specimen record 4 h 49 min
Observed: 9 h 30 min
